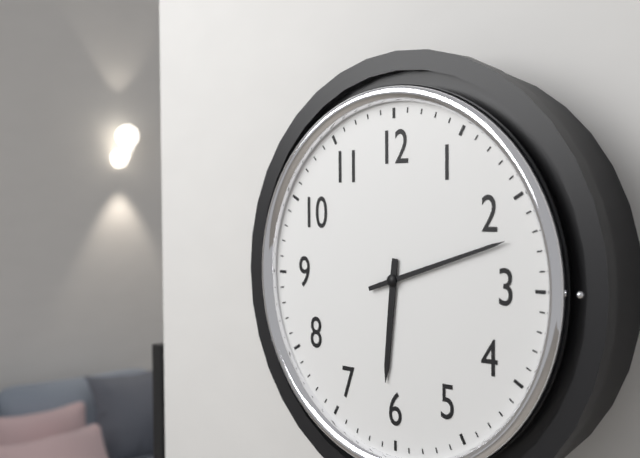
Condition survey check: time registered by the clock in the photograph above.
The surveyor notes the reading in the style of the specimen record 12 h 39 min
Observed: 6 h 12 min
